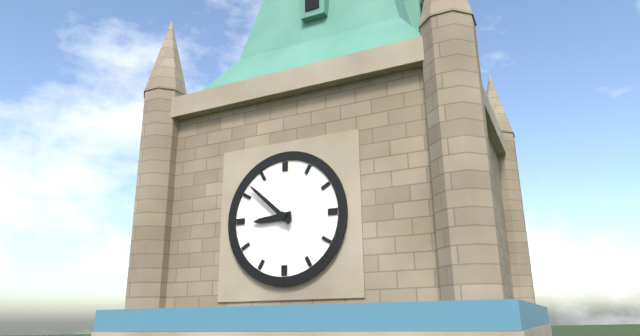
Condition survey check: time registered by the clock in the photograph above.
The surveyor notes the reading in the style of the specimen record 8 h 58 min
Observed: 8 h 52 min
